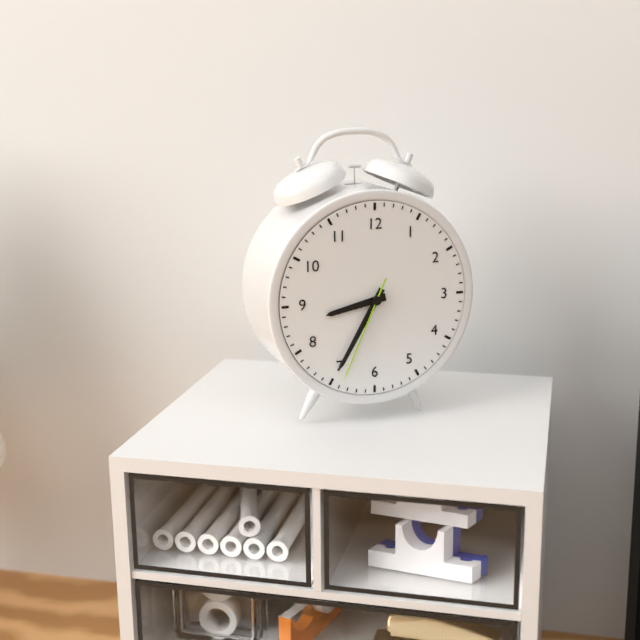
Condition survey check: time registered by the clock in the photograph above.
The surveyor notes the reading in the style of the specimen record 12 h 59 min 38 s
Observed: 8 h 35 min 34 s
